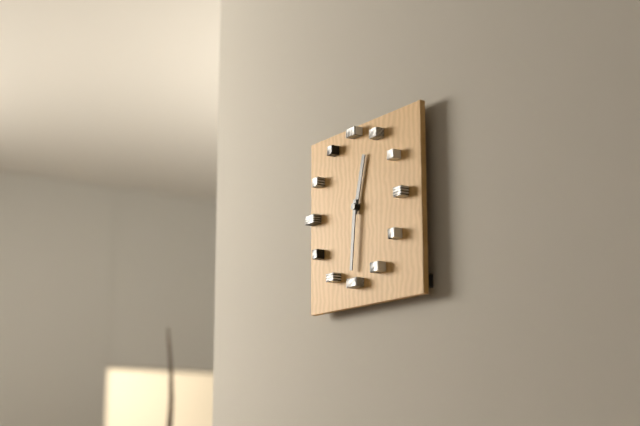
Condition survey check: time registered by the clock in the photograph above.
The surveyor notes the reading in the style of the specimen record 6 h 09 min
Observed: 12 h 31 min
